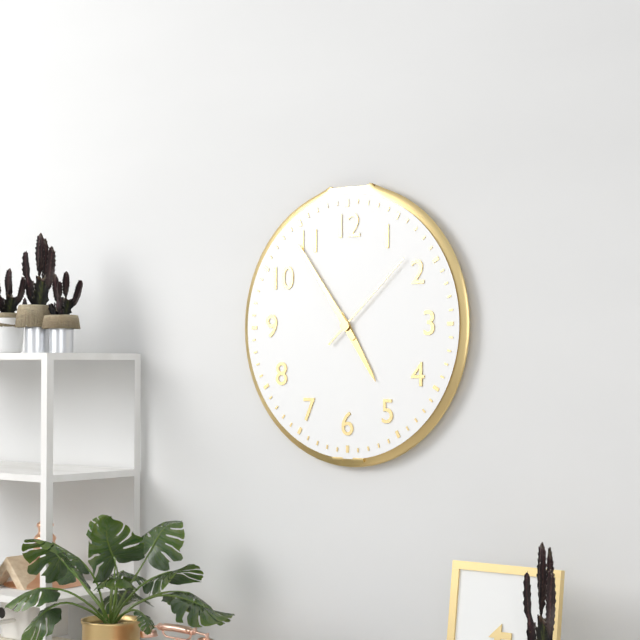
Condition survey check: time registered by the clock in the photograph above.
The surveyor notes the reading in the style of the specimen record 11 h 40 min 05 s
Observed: 4 h 54 min 08 s
